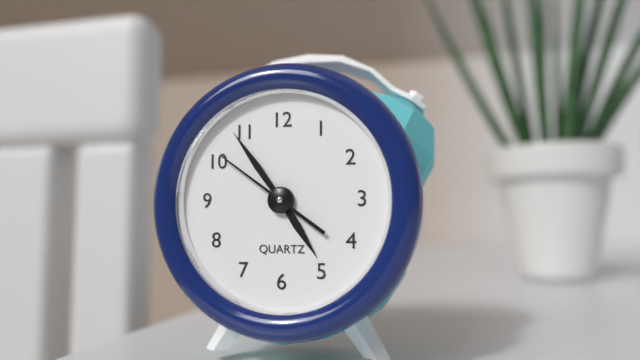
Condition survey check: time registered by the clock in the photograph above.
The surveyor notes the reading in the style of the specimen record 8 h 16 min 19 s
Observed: 4 h 54 min 51 s
